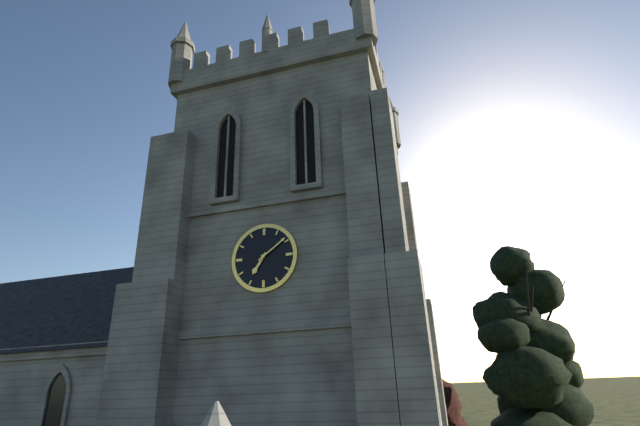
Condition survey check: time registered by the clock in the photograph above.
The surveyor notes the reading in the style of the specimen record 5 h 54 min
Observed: 7 h 09 min
